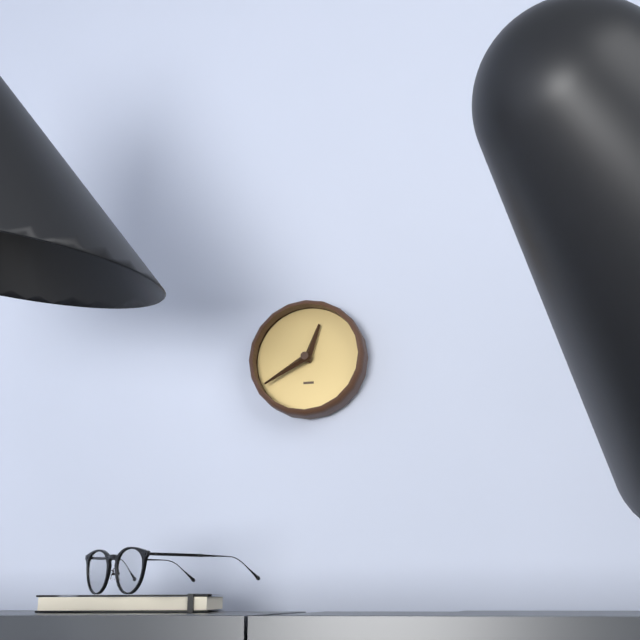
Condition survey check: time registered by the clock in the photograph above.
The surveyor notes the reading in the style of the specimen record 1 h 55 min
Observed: 12 h 40 min
